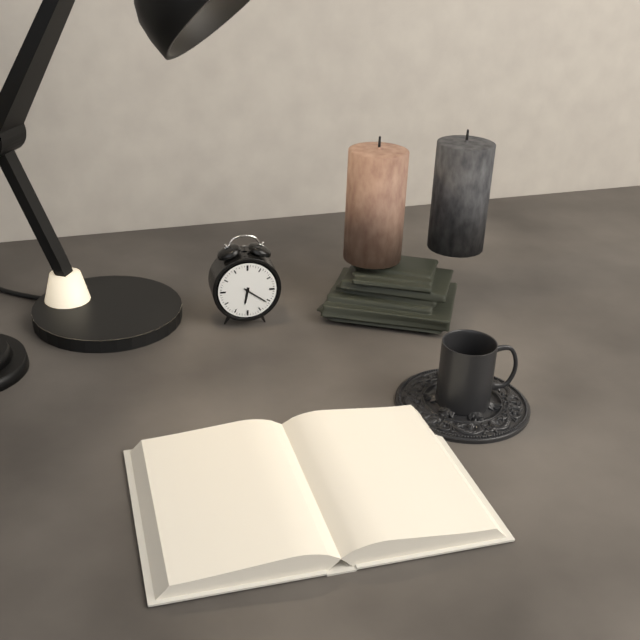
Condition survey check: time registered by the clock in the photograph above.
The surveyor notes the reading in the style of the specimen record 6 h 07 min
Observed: 6 h 21 min
